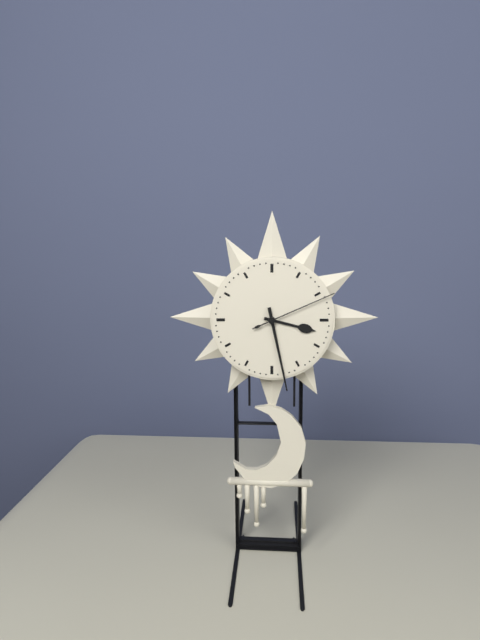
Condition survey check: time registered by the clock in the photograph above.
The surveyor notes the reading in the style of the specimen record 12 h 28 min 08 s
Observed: 3 h 28 min 11 s
